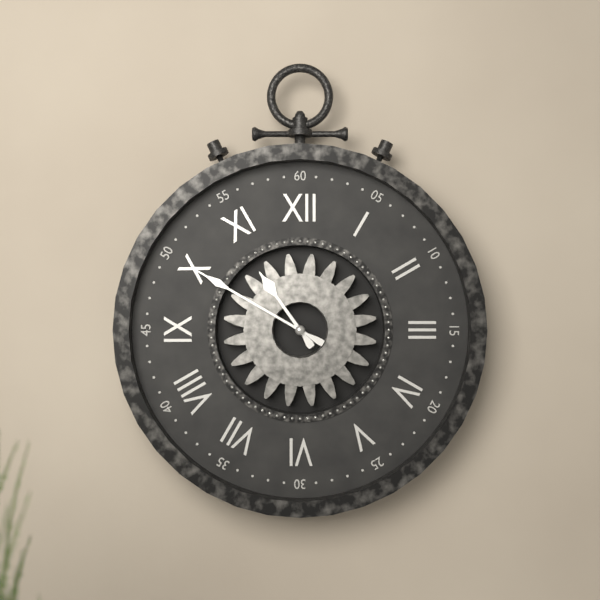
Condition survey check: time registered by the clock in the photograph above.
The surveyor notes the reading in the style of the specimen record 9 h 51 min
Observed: 10 h 50 min
